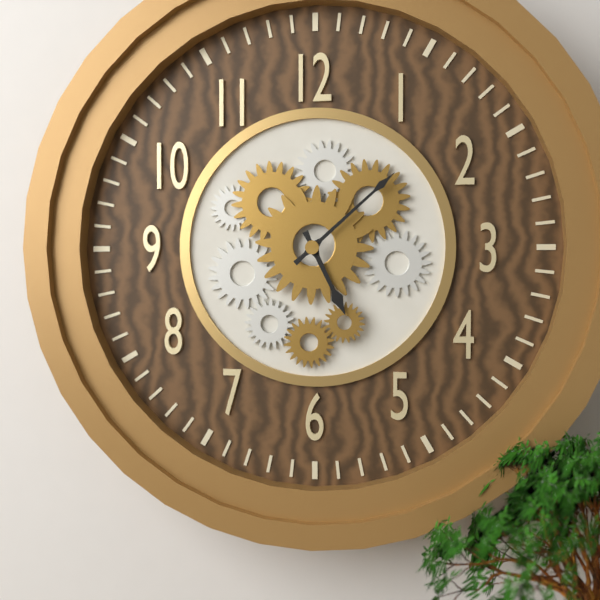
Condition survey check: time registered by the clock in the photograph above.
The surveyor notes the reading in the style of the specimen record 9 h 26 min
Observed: 5 h 08 min
